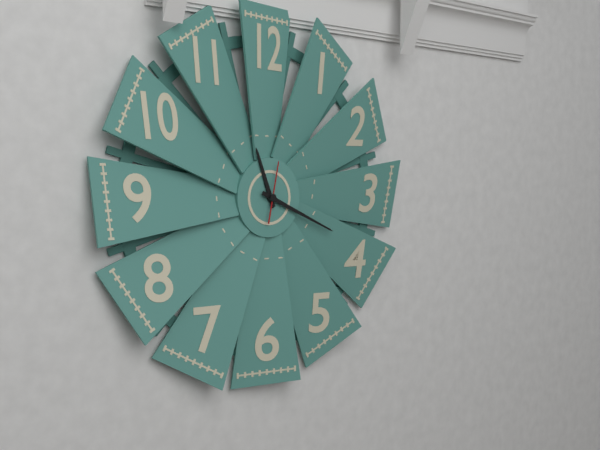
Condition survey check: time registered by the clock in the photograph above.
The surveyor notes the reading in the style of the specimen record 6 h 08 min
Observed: 11 h 19 min
